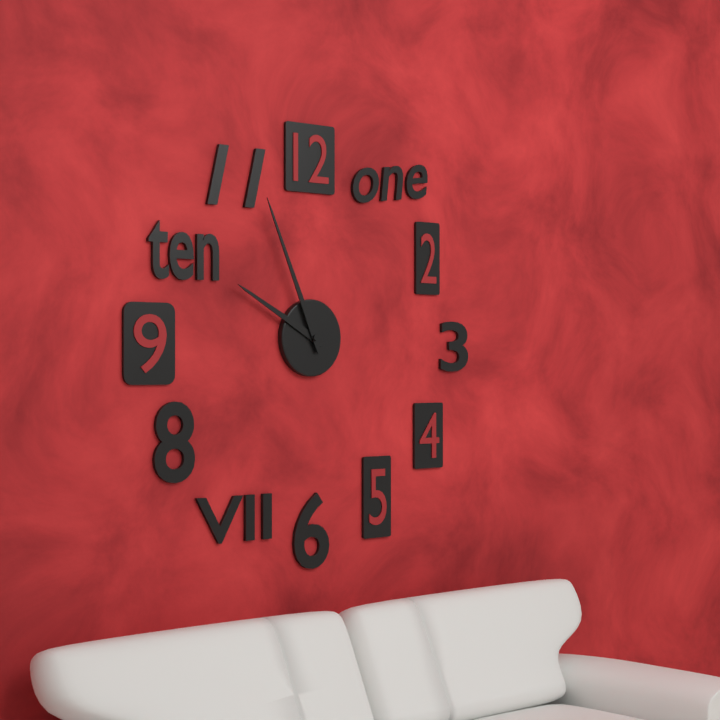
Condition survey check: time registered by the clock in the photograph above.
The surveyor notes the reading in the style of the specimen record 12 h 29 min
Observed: 9 h 56 min
